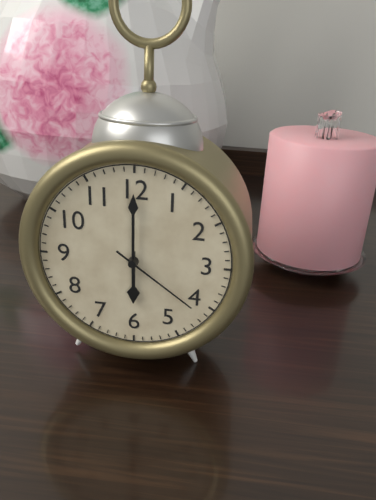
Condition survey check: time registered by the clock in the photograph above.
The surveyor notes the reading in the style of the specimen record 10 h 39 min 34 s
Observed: 6 h 00 min 21 s
